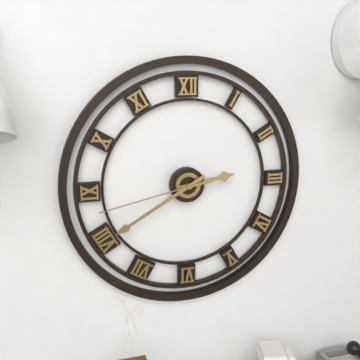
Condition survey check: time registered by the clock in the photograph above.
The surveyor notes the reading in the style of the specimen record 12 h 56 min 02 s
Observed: 2 h 40 min 43 s
